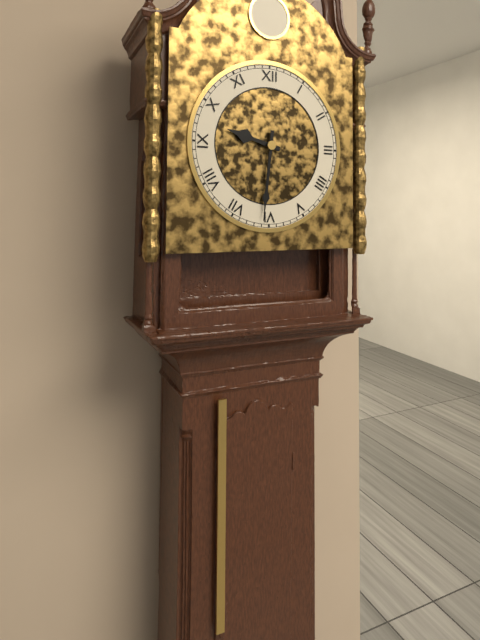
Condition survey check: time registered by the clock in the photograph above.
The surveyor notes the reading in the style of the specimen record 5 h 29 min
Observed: 9 h 31 min
